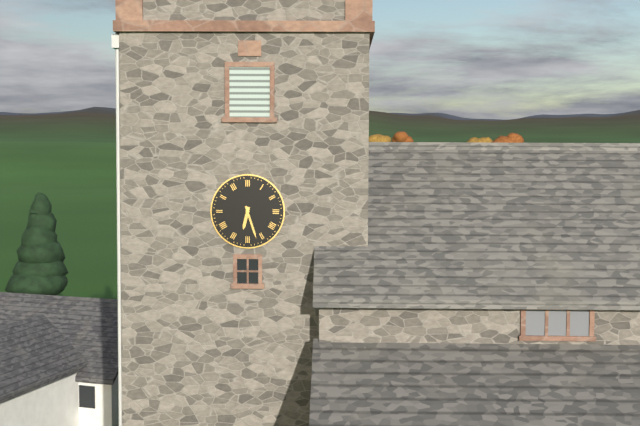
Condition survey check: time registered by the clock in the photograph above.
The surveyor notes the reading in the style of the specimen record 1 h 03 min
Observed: 6 h 27 min
